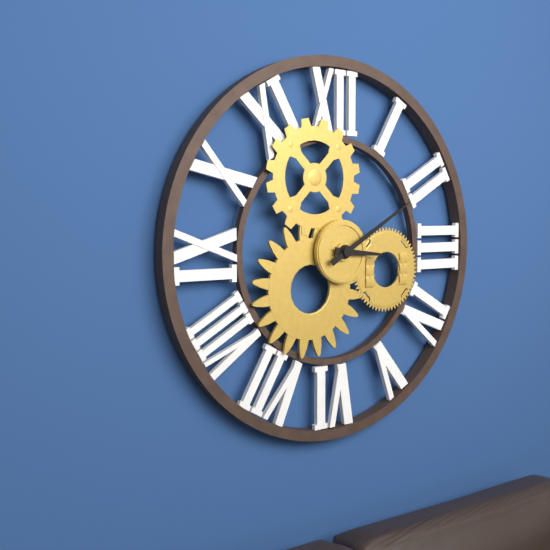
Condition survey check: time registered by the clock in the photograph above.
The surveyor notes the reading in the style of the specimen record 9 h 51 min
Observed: 3 h 10 min
